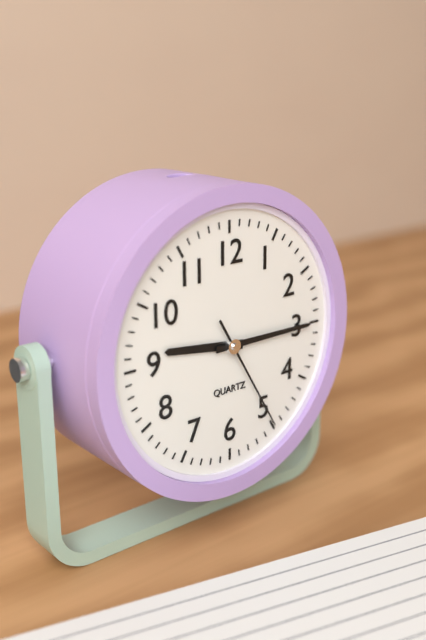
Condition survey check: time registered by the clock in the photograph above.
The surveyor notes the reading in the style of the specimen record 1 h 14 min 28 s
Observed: 9 h 15 min 25 s
